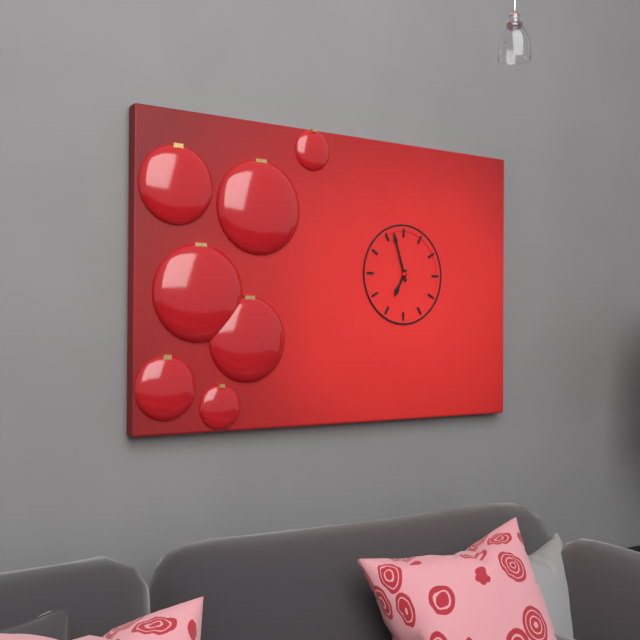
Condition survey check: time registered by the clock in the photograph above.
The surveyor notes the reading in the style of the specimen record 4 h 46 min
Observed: 6 h 57 min
